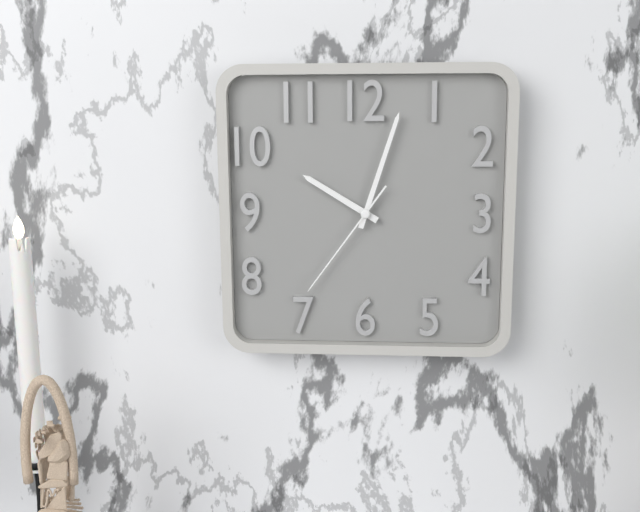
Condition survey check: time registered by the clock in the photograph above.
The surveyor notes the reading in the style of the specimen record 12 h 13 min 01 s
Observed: 10 h 03 min 36 s
